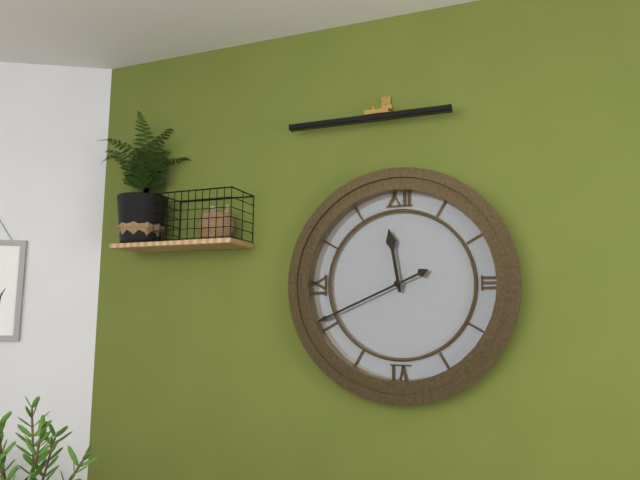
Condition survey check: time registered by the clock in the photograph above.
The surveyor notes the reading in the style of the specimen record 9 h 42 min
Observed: 11 h 41 min
